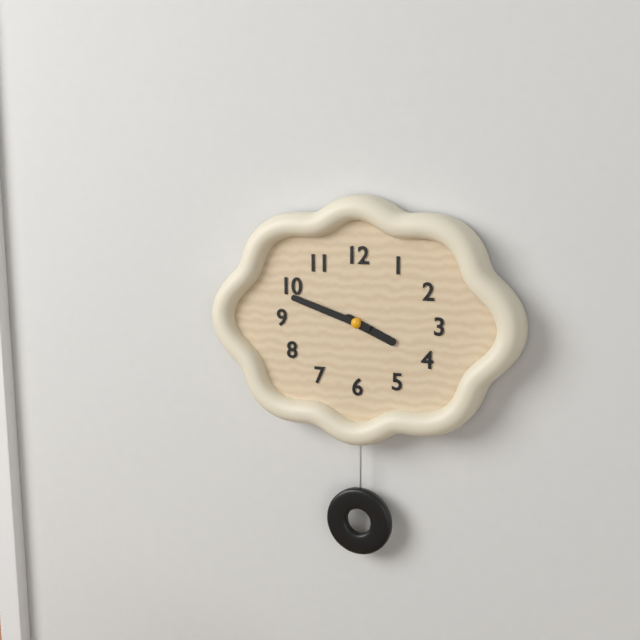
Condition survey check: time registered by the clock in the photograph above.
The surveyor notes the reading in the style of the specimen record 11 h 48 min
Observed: 3 h 48 min
